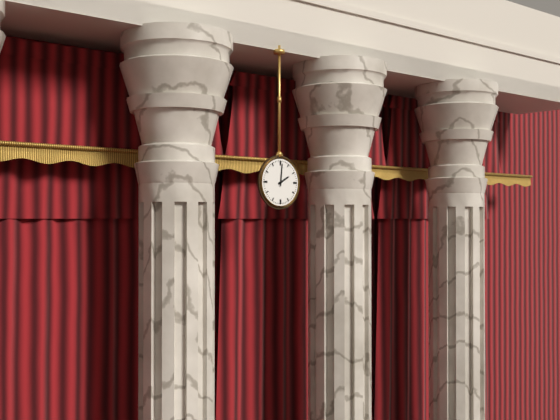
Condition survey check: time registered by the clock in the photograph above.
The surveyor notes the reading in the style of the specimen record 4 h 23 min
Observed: 2 h 01 min
